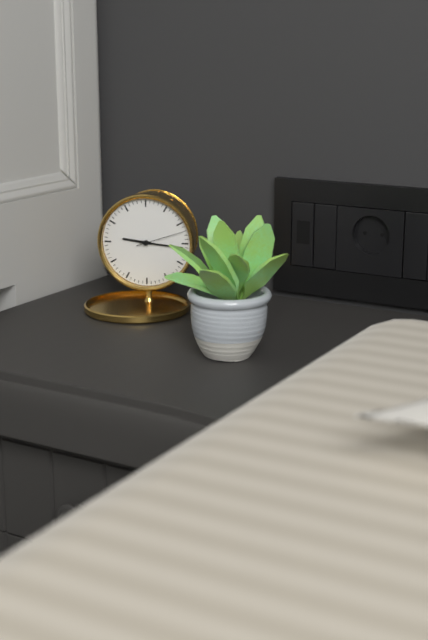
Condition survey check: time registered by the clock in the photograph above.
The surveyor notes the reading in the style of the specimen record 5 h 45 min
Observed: 9 h 16 min
